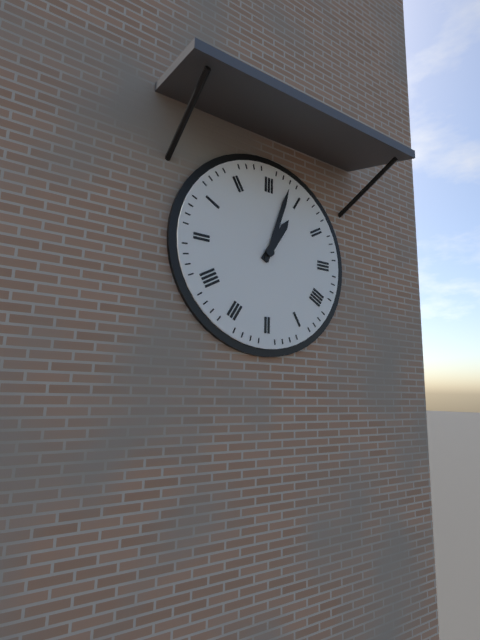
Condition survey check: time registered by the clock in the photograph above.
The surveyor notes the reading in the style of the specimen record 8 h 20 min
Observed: 1 h 03 min
